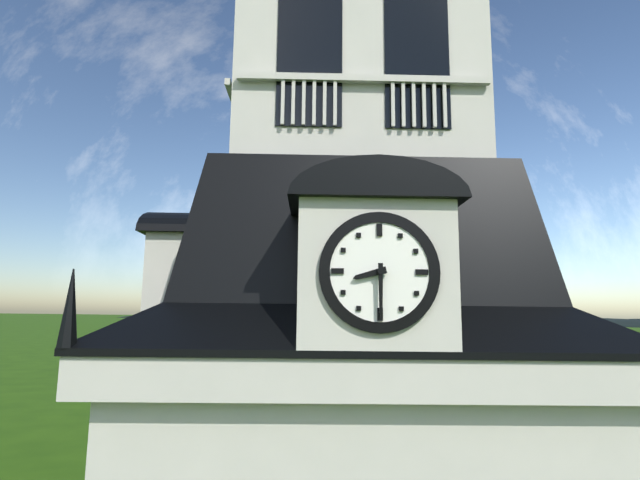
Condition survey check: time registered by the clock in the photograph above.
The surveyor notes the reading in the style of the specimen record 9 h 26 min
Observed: 8 h 30 min
